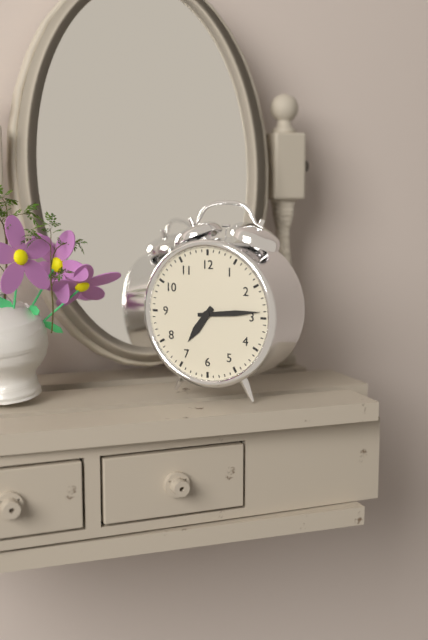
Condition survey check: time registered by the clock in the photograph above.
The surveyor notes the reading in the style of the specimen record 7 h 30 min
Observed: 7 h 14 min
